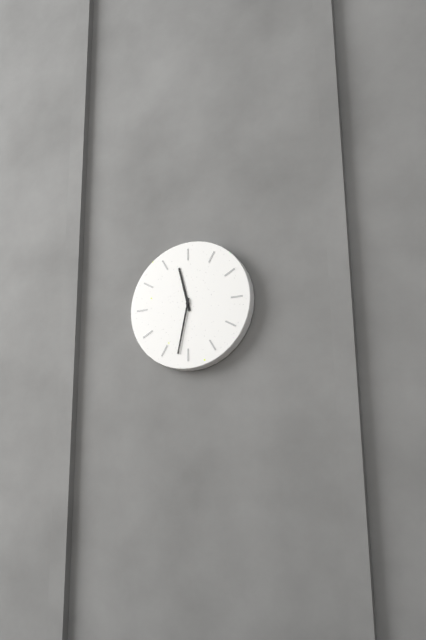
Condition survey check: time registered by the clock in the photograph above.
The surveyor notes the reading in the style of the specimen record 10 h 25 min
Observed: 11 h 32 min
